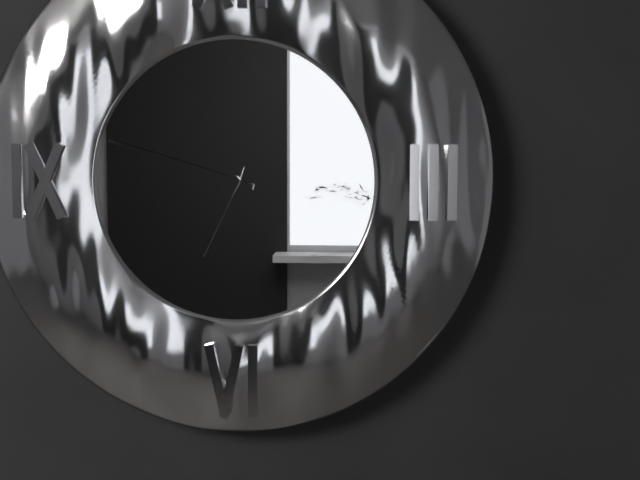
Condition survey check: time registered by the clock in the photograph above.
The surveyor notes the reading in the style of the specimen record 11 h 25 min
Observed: 6 h 48 min
